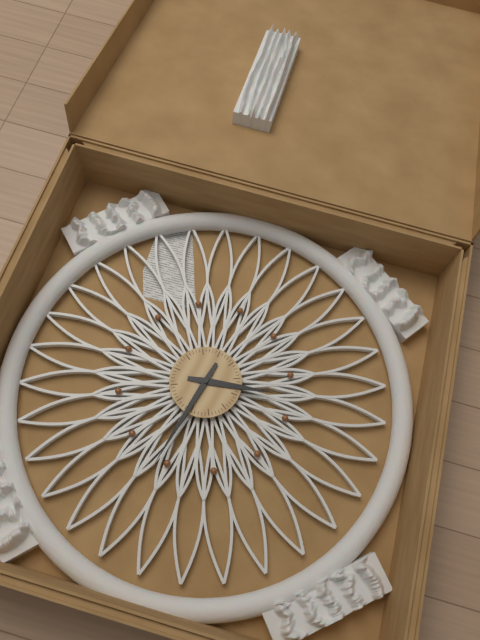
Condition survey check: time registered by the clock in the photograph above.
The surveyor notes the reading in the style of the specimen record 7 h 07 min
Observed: 2 h 31 min
